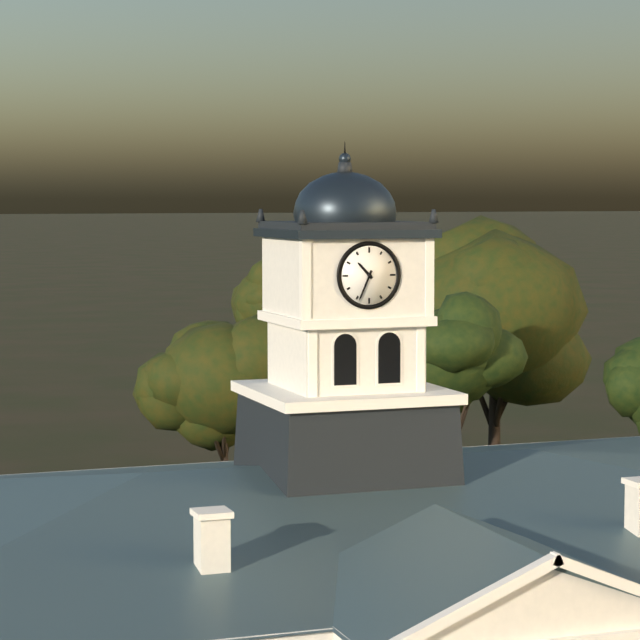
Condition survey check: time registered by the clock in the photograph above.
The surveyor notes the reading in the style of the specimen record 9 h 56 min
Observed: 10 h 34 min
